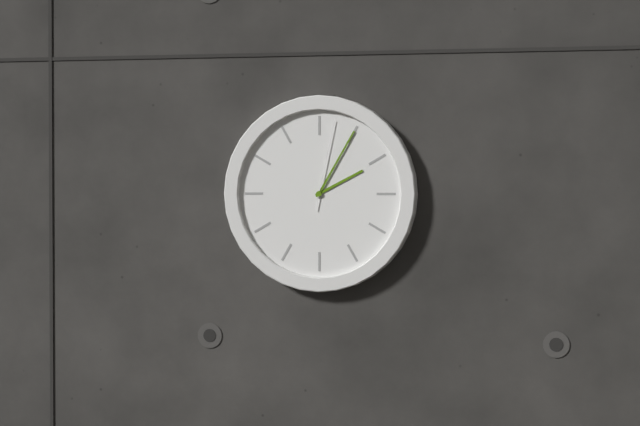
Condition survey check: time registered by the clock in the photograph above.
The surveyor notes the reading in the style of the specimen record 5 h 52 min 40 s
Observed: 2 h 05 min 02 s
